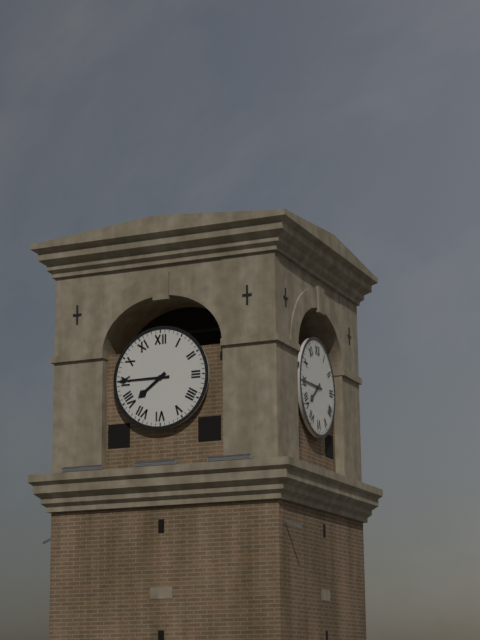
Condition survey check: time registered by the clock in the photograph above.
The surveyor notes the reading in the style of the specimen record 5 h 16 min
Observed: 7 h 45 min
